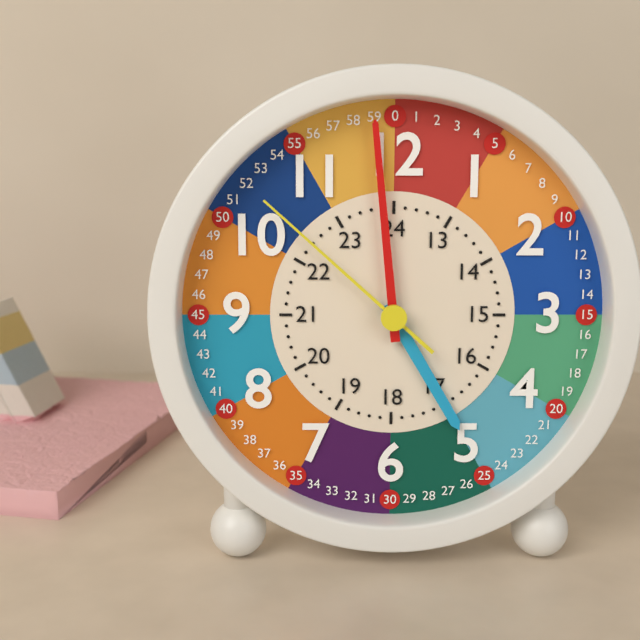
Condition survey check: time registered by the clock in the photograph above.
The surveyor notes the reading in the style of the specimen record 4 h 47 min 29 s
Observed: 4 h 59 min 52 s
